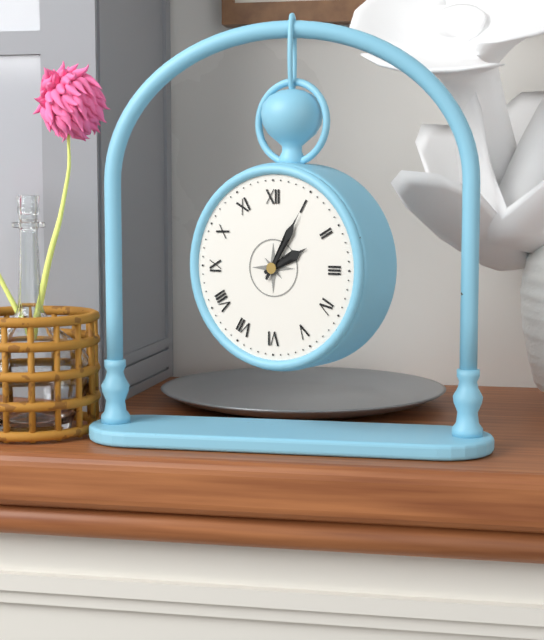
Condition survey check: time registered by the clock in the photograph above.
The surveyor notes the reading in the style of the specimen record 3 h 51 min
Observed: 2 h 05 min
